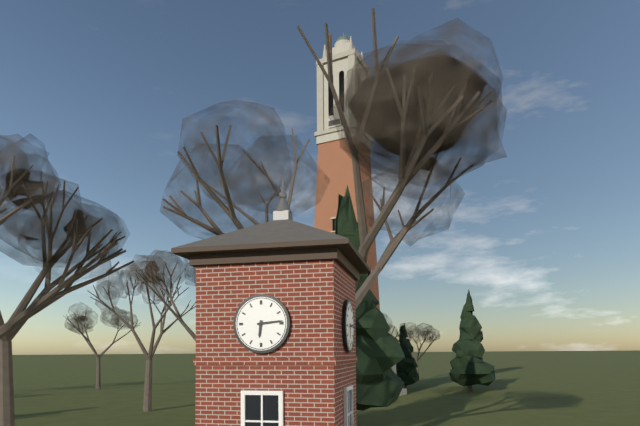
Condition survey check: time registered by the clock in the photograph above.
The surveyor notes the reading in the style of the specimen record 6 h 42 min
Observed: 6 h 14 min
